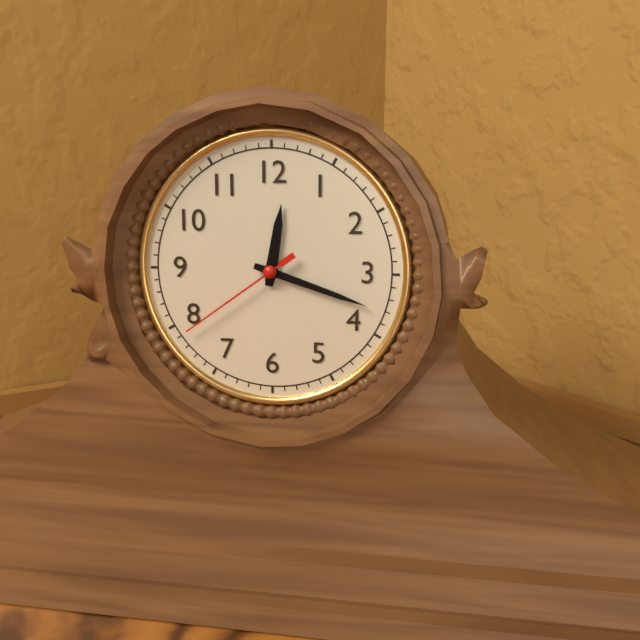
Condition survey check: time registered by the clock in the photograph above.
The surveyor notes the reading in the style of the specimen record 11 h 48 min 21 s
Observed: 12 h 18 min 39 s
